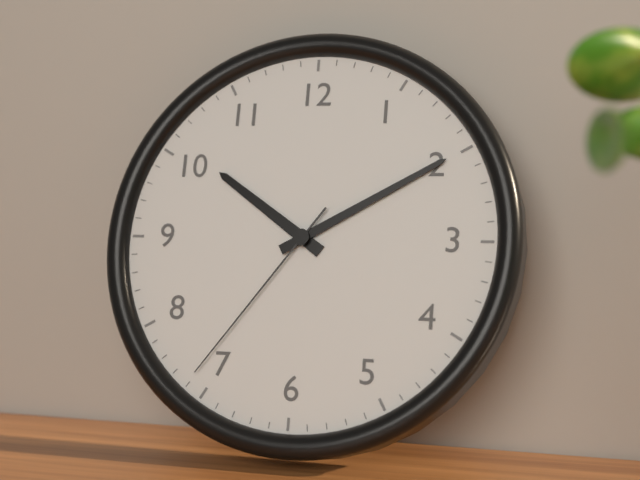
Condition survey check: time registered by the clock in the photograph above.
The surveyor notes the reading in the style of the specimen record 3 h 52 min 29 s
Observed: 10 h 10 min 36 s
